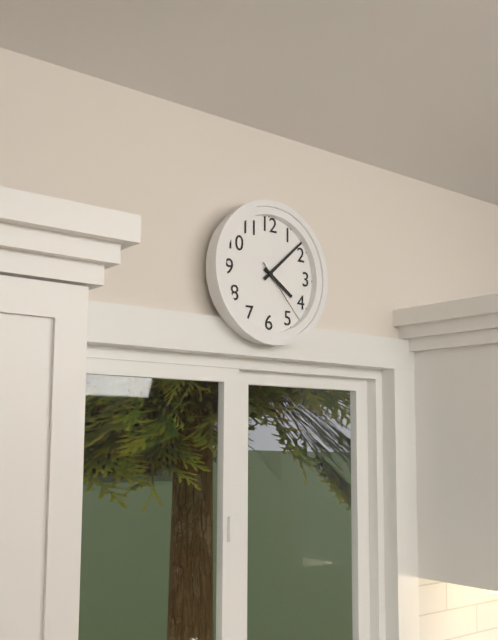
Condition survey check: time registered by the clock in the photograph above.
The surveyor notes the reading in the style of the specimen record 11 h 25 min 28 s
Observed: 4 h 08 min 23 s
